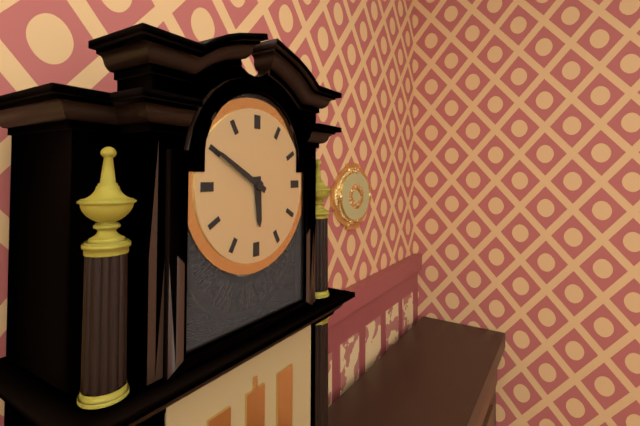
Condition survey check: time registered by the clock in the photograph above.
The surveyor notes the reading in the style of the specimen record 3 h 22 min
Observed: 5 h 50 min
